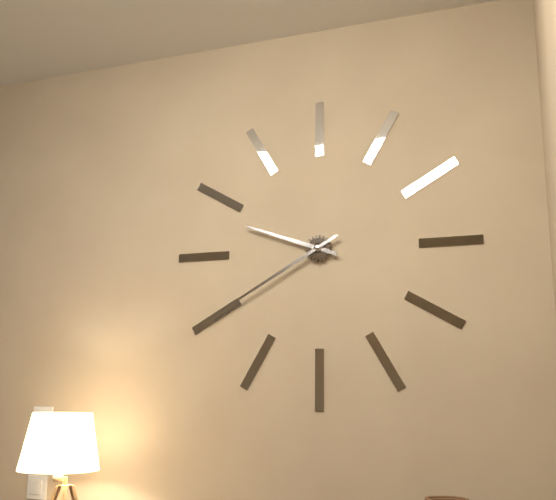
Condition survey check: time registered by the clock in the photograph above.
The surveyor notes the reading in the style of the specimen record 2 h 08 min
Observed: 9 h 40 min
